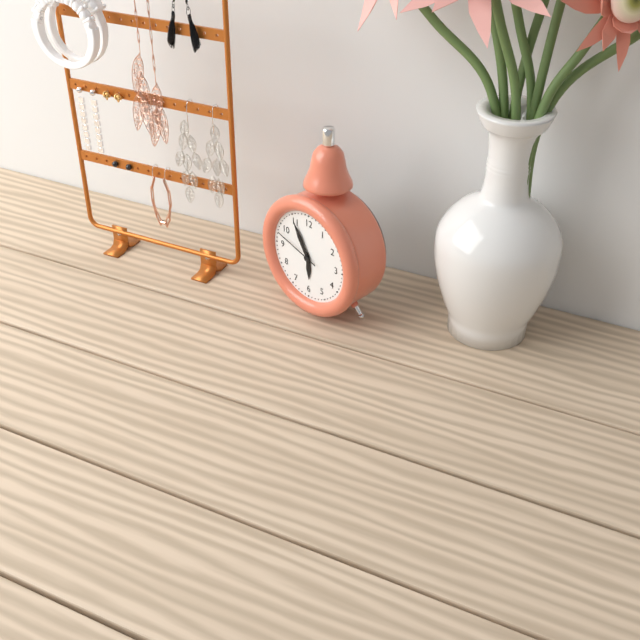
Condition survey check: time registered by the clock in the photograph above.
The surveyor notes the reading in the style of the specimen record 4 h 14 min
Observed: 5 h 55 min
